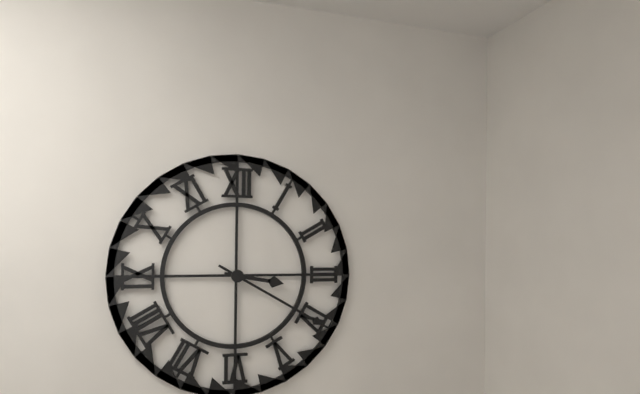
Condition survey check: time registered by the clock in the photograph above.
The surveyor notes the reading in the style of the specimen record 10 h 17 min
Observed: 3 h 20 min
